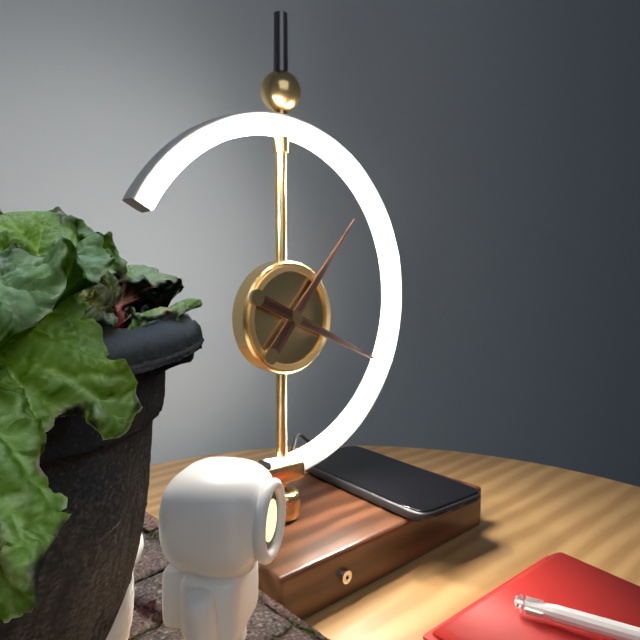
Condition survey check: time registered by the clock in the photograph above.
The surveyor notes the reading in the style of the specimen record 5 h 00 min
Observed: 1 h 19 min
